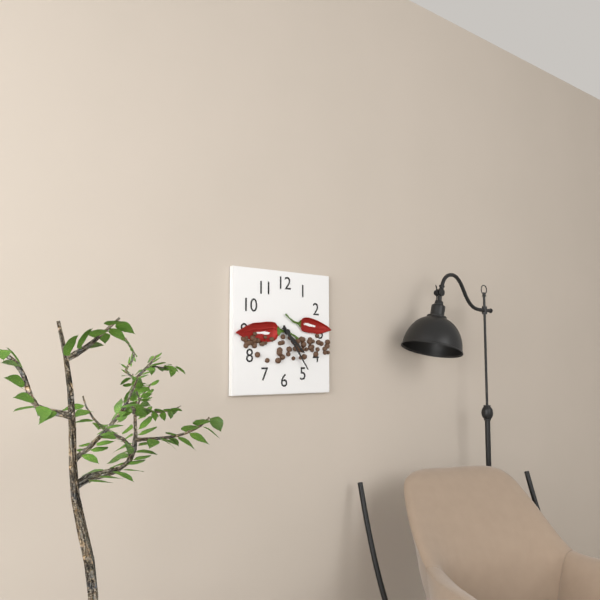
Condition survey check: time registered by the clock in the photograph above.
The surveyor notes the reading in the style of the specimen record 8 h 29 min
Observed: 4 h 24 min
